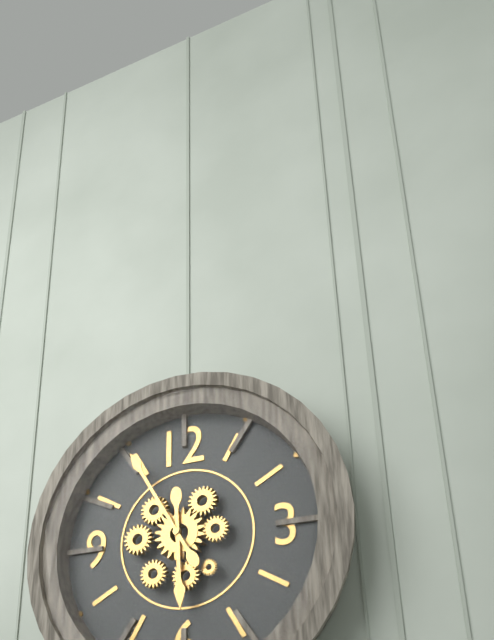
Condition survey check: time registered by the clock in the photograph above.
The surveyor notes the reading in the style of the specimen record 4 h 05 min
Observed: 5 h 55 min
